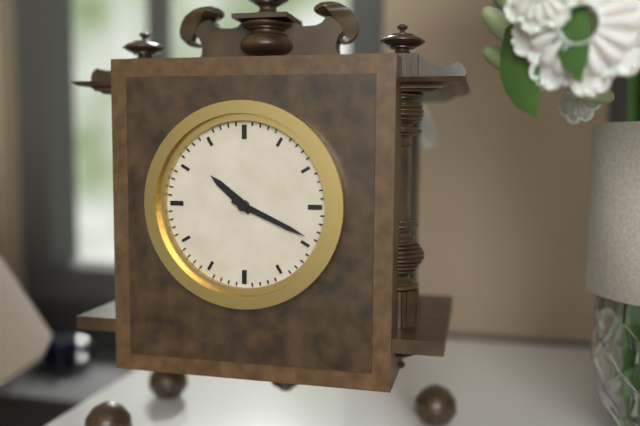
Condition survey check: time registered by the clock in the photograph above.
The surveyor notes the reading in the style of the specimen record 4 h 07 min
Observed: 10 h 19 min
